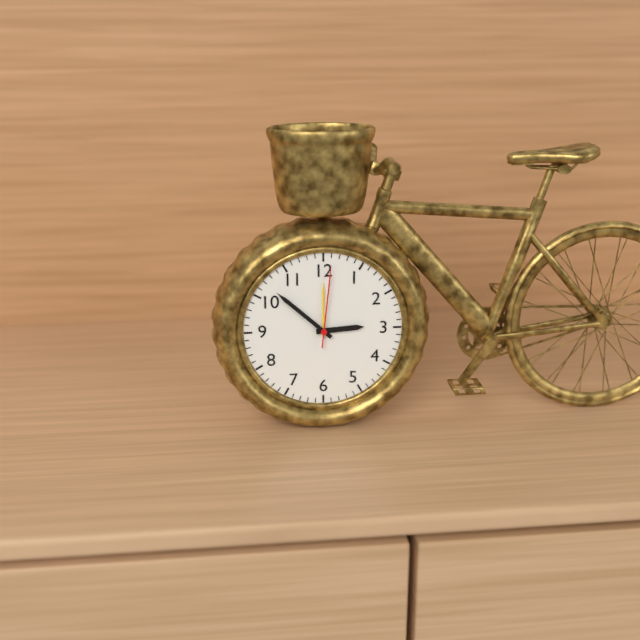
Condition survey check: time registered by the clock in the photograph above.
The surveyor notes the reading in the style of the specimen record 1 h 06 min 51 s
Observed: 2 h 52 min 01 s
